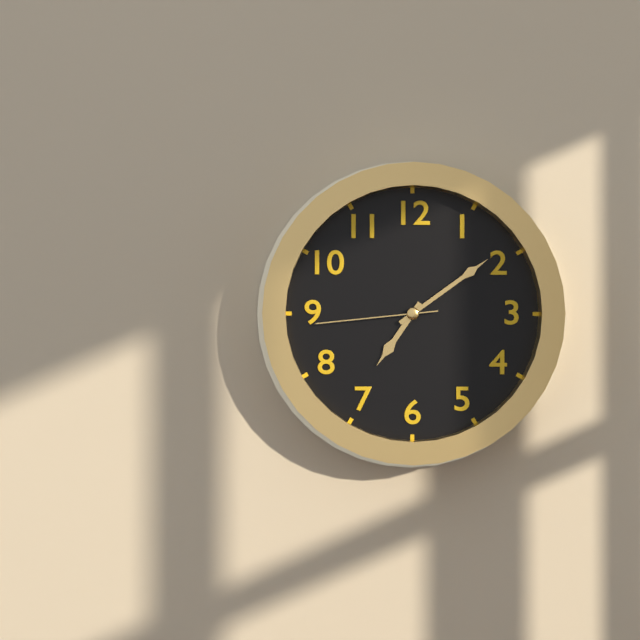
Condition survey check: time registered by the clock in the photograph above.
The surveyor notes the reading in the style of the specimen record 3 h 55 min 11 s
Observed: 7 h 09 min 44 s
